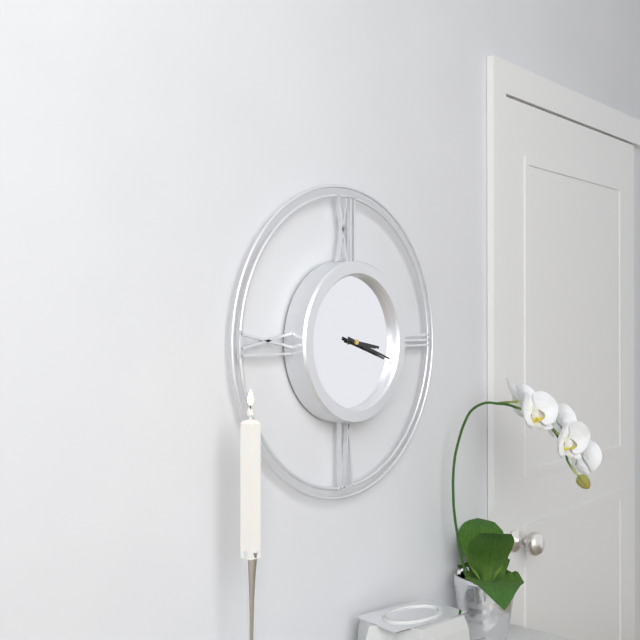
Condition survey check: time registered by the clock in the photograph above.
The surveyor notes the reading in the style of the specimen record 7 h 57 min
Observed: 3 h 18 min
